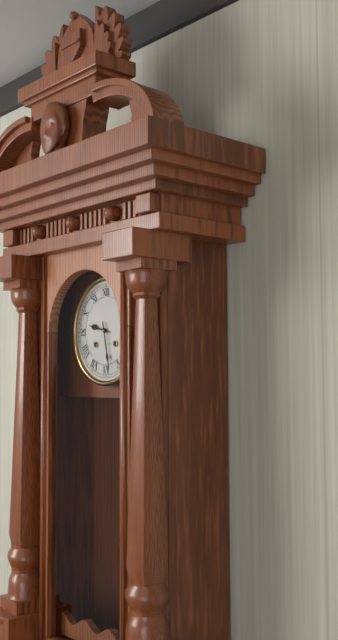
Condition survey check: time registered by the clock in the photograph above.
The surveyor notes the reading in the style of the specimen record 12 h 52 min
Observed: 9 h 28 min
